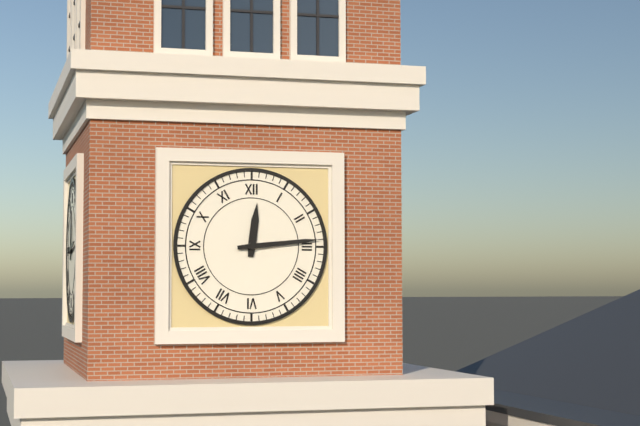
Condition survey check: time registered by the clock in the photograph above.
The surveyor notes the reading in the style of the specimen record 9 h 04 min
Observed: 12 h 14 min
